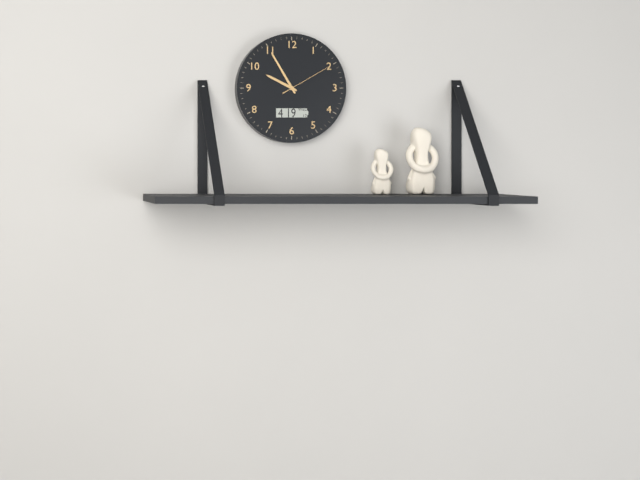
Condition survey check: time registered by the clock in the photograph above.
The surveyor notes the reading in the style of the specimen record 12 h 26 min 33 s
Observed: 9 h 55 min 10 s
